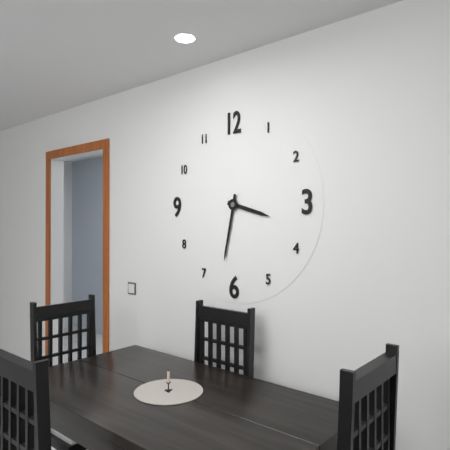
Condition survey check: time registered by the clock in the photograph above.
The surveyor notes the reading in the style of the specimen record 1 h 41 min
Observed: 3 h 32 min
